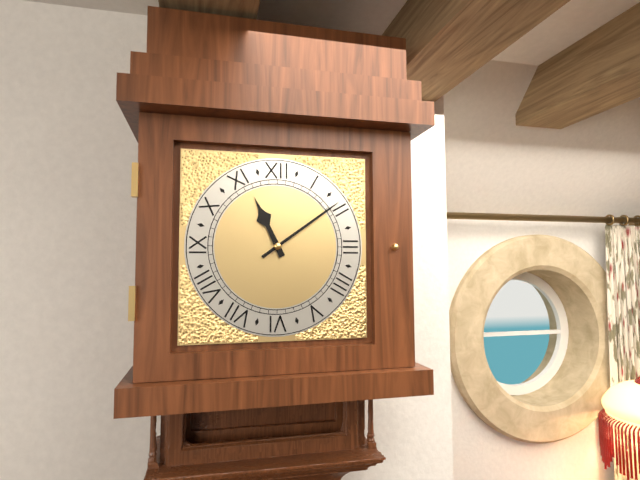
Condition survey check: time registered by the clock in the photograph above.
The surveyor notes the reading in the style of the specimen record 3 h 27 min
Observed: 11 h 09 min
